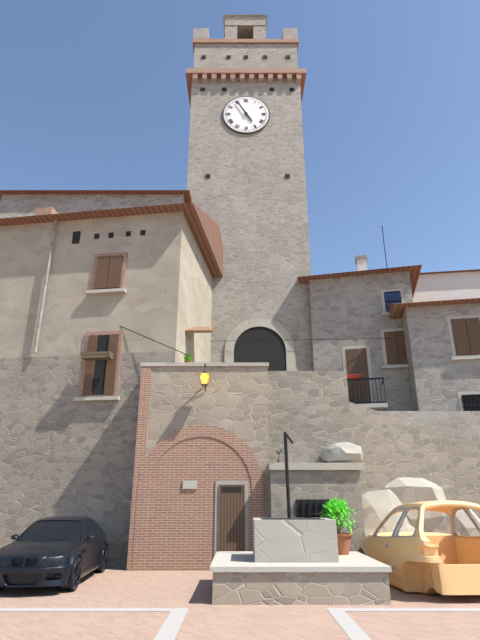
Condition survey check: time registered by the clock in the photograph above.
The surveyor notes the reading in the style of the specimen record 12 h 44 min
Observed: 4 h 55 min
